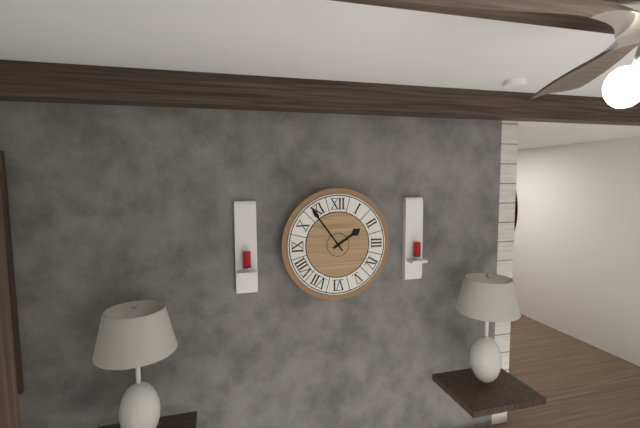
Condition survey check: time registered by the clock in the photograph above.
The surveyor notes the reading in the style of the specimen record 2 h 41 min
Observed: 1 h 54 min
